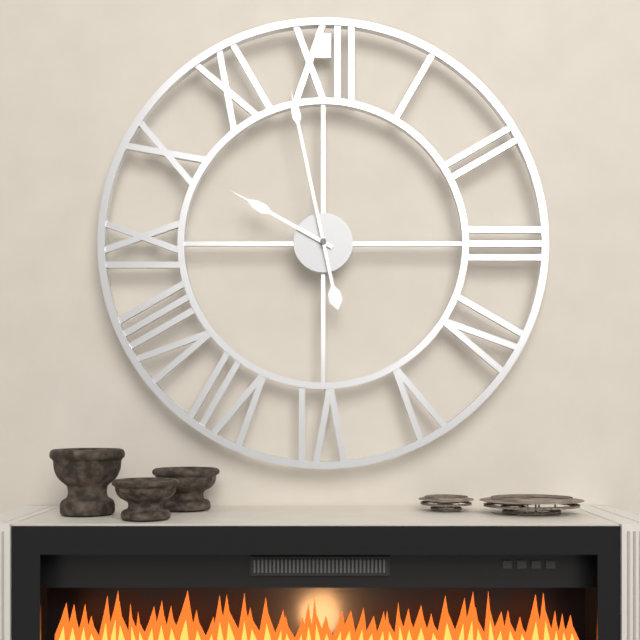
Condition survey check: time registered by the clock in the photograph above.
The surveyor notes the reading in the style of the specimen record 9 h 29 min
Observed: 9 h 58 min
